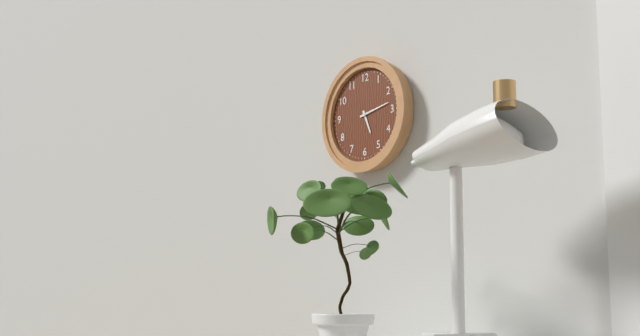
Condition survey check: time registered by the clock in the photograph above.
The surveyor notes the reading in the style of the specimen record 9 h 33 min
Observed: 5 h 13 min
